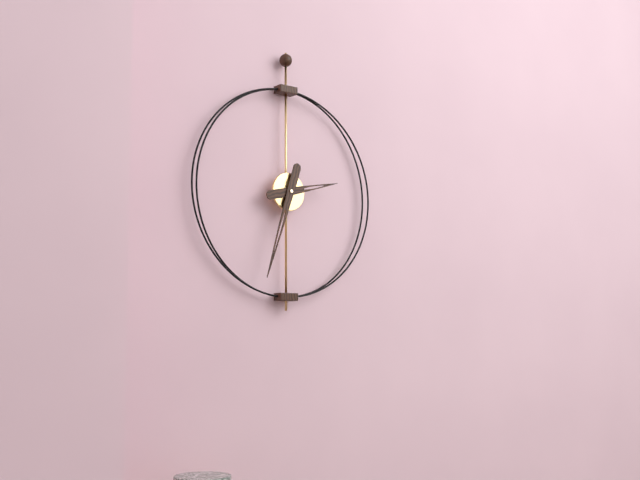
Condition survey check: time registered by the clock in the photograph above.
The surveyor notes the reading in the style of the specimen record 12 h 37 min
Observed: 2 h 33 min
